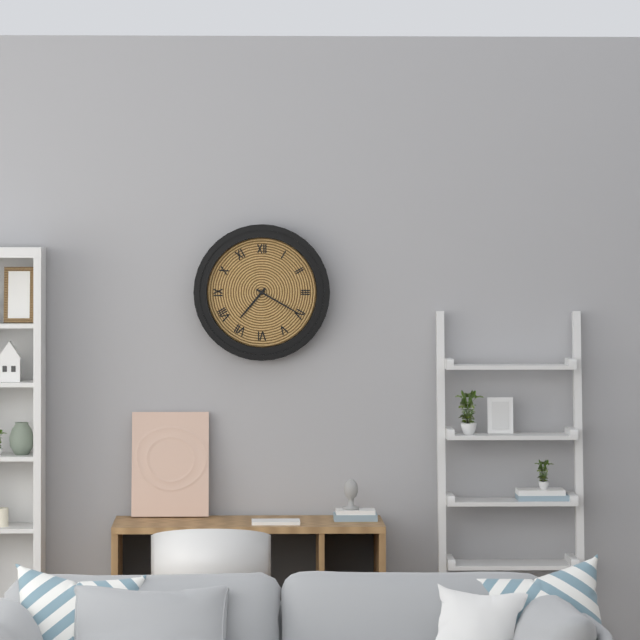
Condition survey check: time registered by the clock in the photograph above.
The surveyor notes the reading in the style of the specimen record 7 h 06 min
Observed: 7 h 20 min
